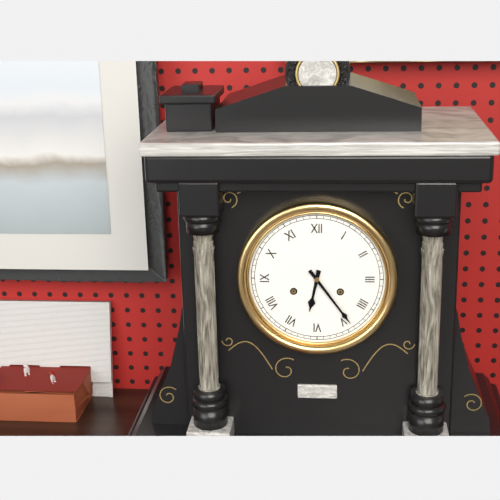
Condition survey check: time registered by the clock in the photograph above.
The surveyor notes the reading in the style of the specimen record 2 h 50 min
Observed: 6 h 24 min
